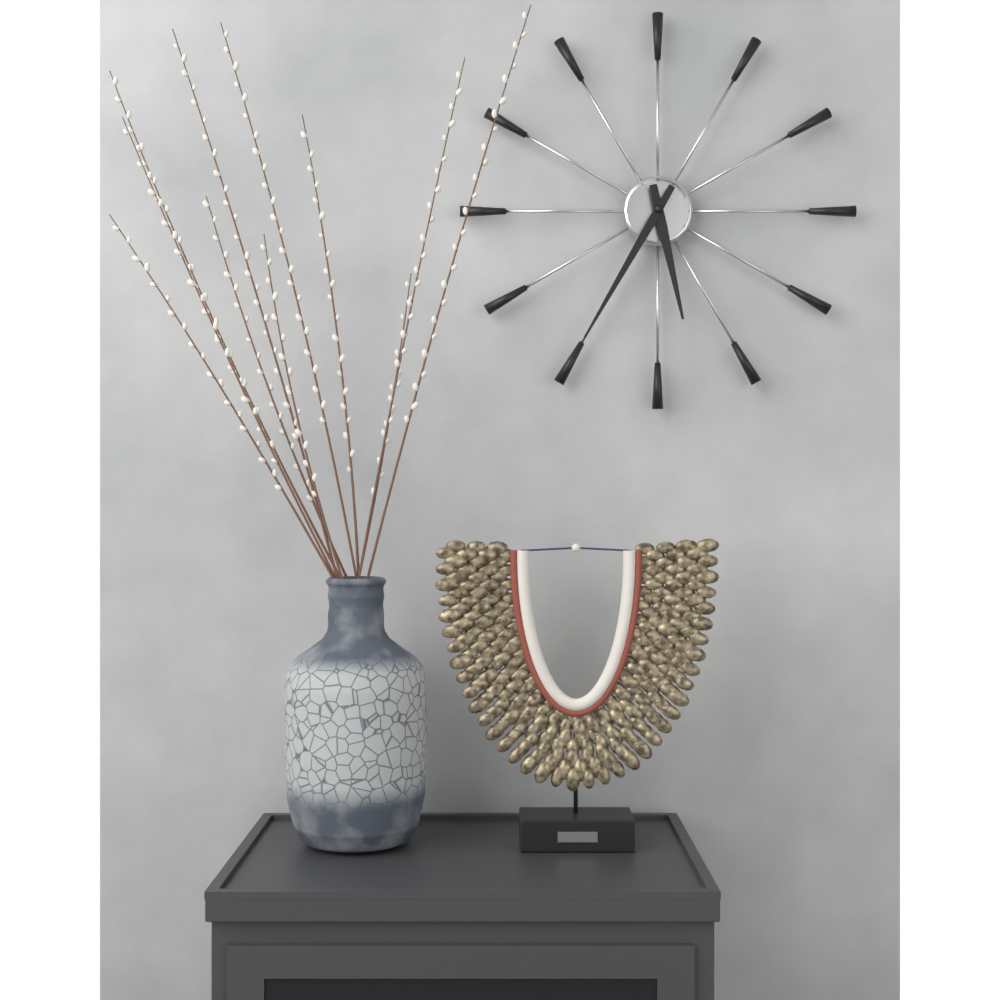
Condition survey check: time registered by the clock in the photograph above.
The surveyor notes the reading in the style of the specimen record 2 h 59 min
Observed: 5 h 35 min
